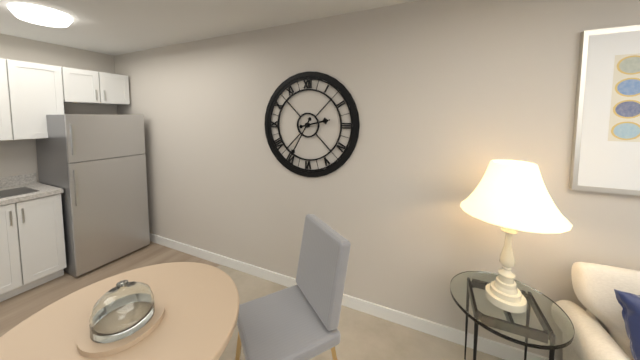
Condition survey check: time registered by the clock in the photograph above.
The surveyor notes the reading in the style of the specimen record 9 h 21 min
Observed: 2 h 35 min
